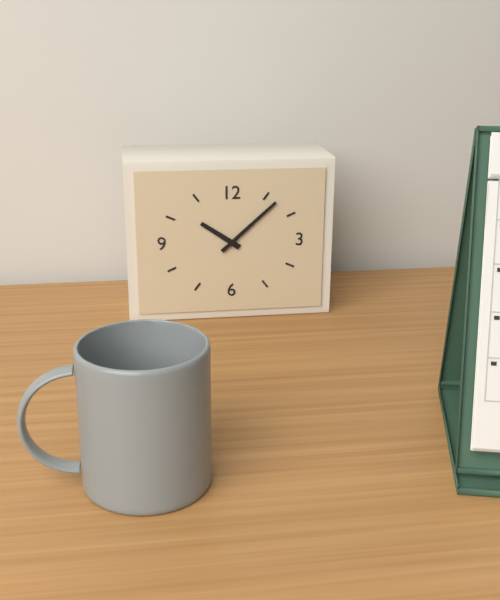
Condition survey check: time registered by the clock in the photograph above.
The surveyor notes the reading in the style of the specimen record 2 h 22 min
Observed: 10 h 08 min
